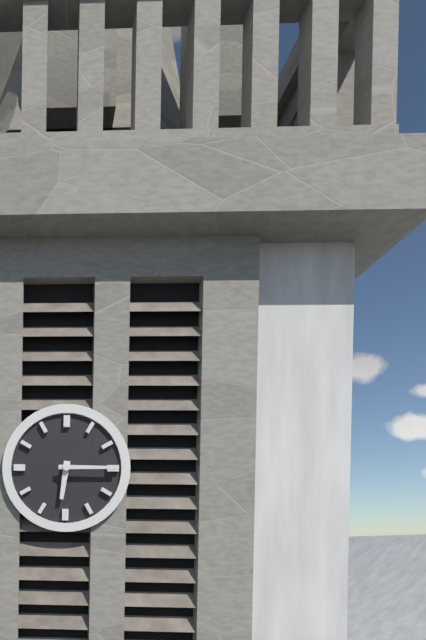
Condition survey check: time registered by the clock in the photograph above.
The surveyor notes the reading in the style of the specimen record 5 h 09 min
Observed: 6 h 15 min
